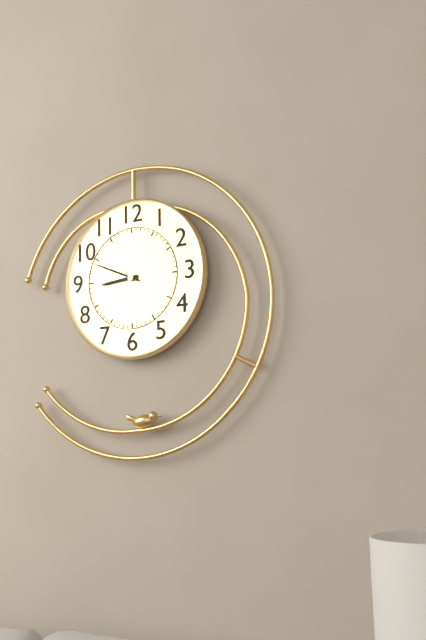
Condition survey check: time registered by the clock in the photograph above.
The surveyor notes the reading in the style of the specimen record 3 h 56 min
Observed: 8 h 49 min
